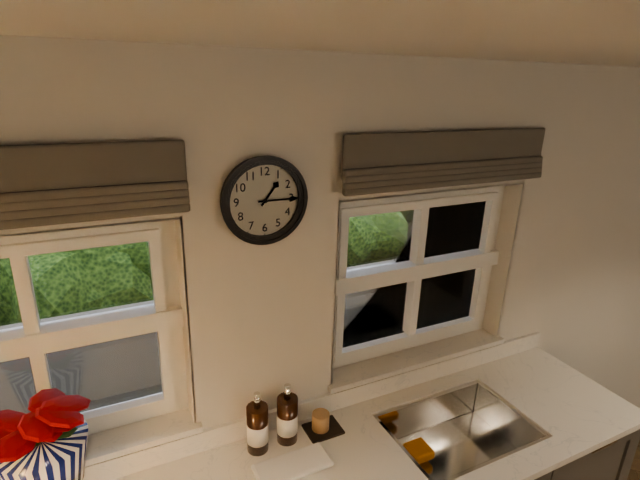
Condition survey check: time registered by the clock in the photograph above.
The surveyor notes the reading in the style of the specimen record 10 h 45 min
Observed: 1 h 15 min
